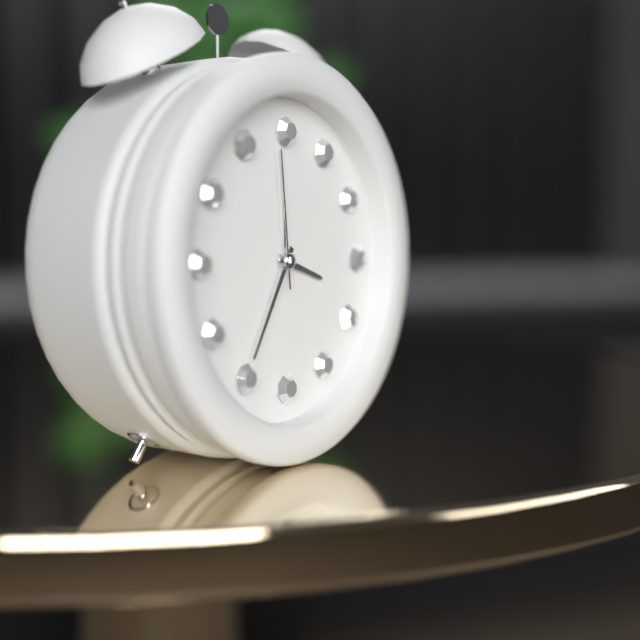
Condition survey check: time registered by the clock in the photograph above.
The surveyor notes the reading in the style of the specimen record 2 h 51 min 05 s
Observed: 3 h 35 min 59 s
